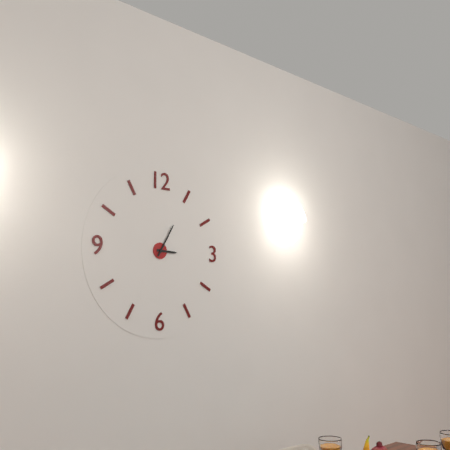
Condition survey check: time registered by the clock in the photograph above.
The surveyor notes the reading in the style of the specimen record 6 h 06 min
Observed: 3 h 05 min
